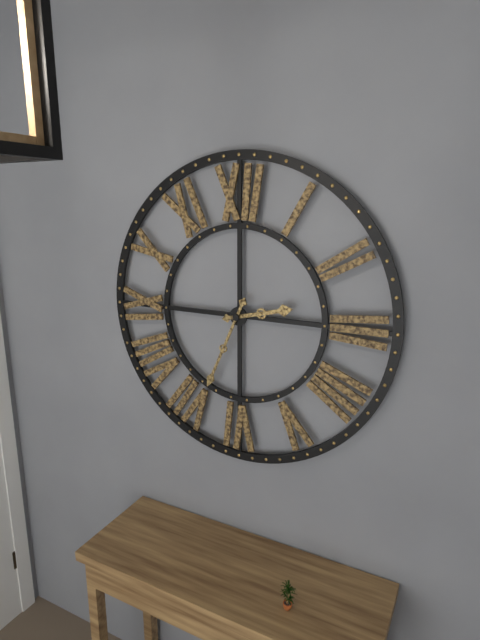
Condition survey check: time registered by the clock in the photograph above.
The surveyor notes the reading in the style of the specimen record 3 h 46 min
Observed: 2 h 34 min
